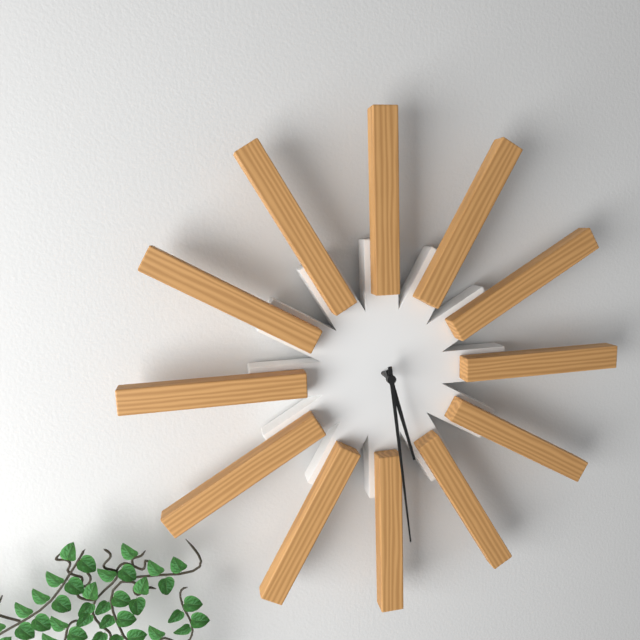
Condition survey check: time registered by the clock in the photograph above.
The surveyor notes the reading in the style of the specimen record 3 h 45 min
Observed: 5 h 29 min
